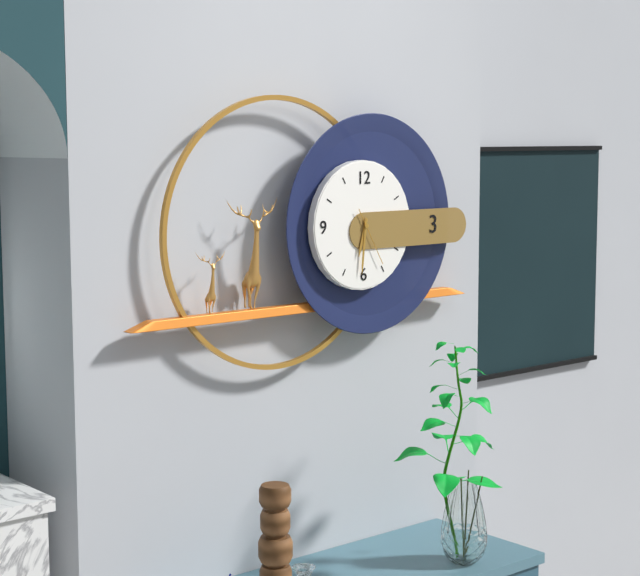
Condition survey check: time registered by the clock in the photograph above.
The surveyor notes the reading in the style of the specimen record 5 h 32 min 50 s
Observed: 6 h 31 min 25 s
